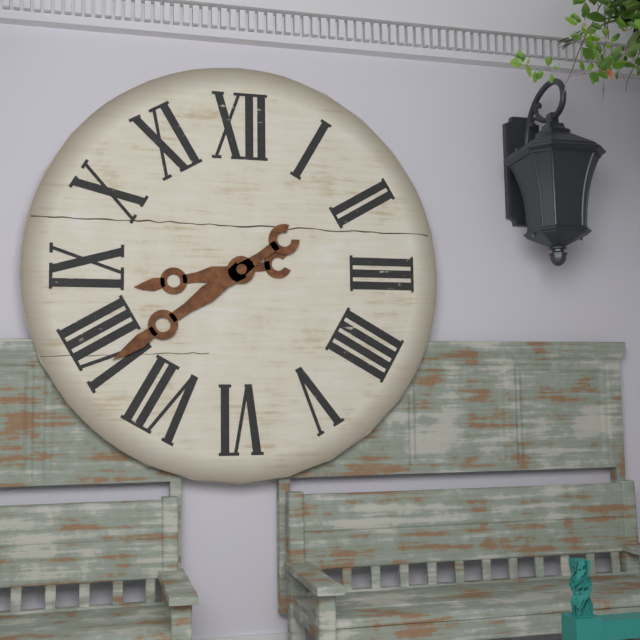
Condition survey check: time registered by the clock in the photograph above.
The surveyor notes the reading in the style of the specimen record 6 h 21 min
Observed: 8 h 39 min
